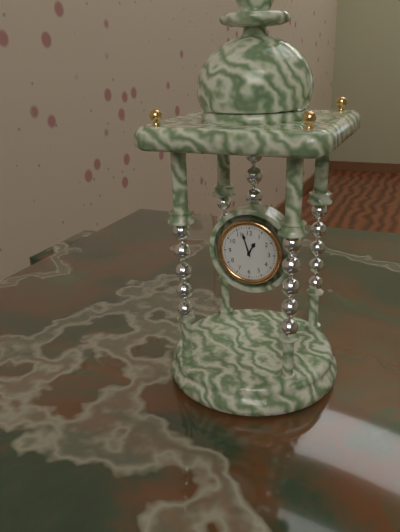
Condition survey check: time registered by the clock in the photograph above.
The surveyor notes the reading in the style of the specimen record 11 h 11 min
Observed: 12 h 57 min
